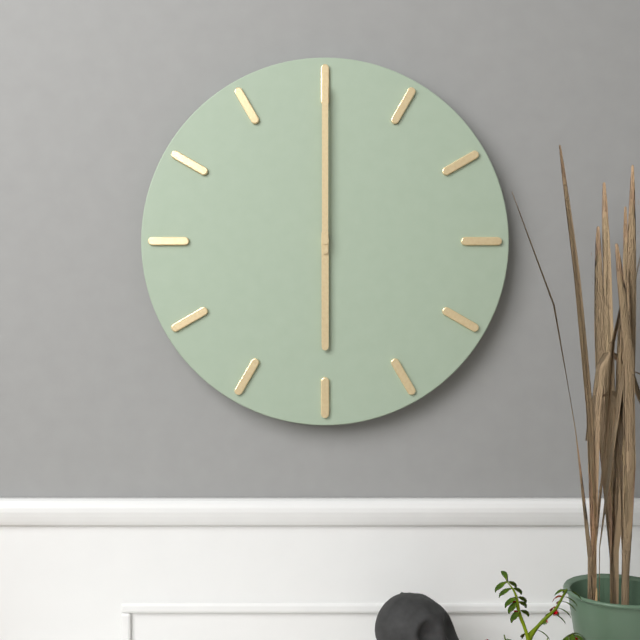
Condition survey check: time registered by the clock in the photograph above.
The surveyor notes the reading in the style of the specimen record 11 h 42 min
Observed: 6 h 00 min
